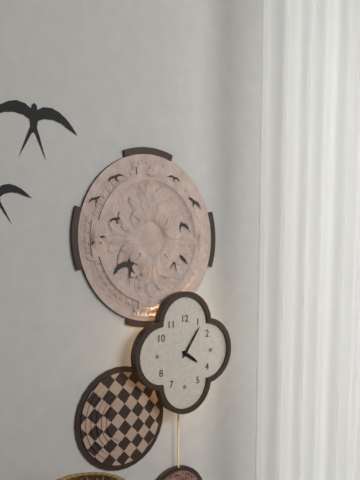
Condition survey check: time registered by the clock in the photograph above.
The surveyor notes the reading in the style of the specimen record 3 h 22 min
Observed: 4 h 06 min
